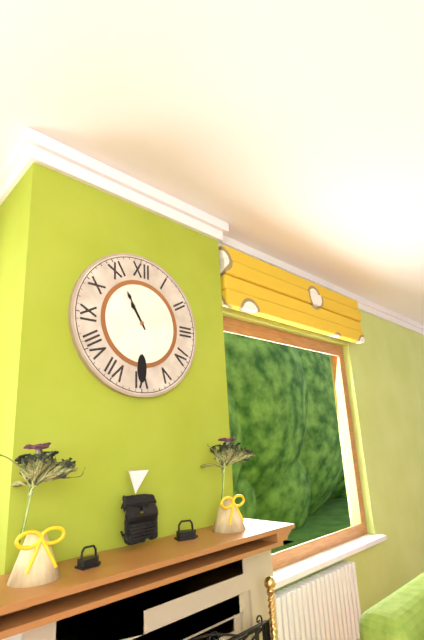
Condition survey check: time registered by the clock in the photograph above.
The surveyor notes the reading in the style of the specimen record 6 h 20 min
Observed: 10 h 55 min
